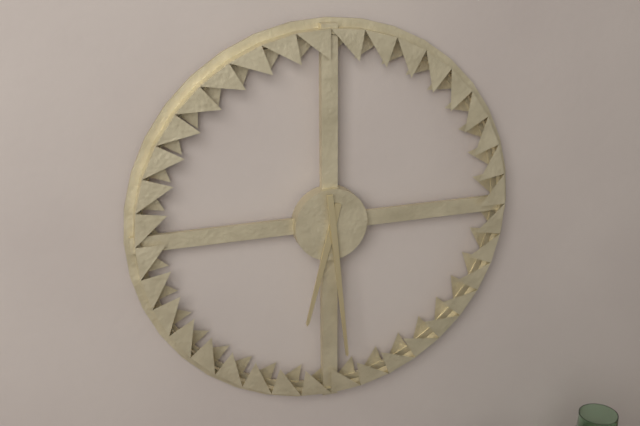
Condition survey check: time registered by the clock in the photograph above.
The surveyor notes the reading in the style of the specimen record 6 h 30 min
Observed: 6 h 29 min
